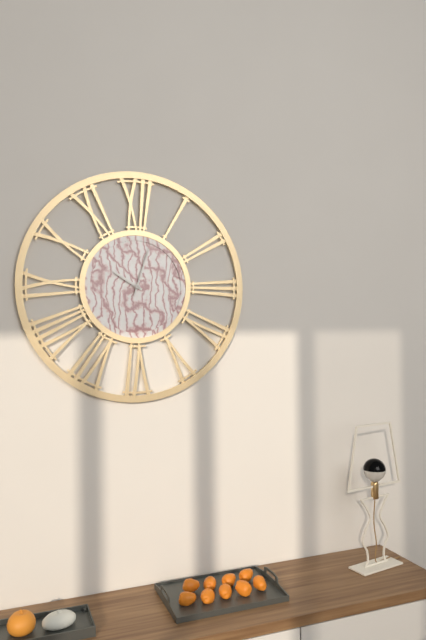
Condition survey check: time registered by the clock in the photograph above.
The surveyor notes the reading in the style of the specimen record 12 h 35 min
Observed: 10 h 03 min
